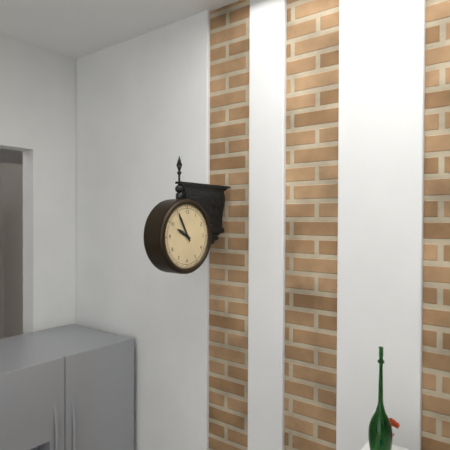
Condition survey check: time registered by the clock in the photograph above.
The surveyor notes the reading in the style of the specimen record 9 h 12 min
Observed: 9 h 55 min
